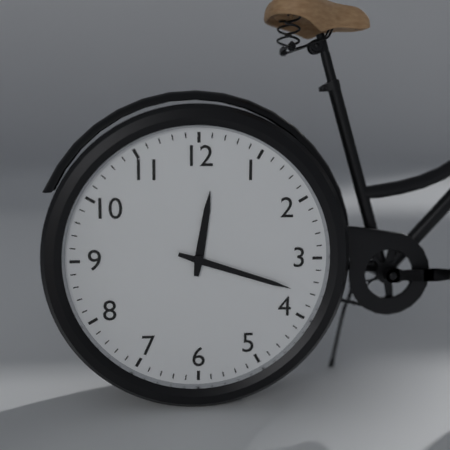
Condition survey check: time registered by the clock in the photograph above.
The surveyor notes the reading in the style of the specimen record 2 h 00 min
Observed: 12 h 18 min
